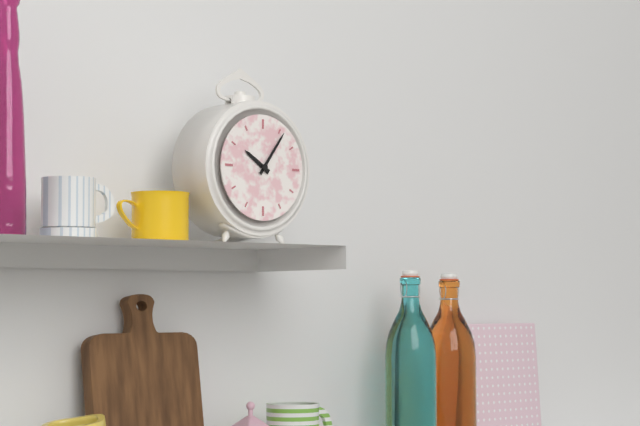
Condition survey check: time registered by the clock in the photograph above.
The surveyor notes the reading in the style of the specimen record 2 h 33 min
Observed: 10 h 06 min
